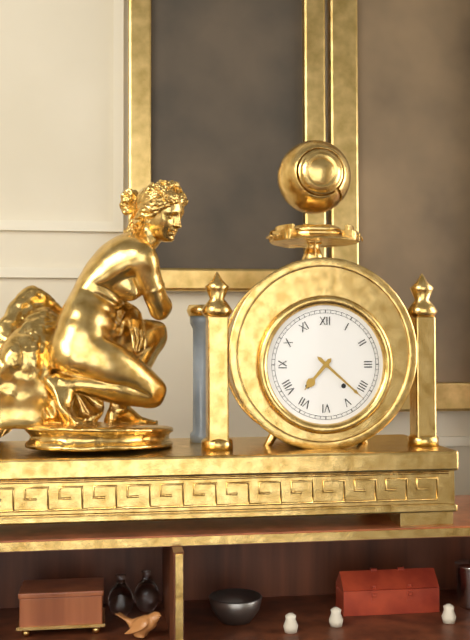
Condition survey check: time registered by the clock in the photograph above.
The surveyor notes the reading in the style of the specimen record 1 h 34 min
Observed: 7 h 22 min
